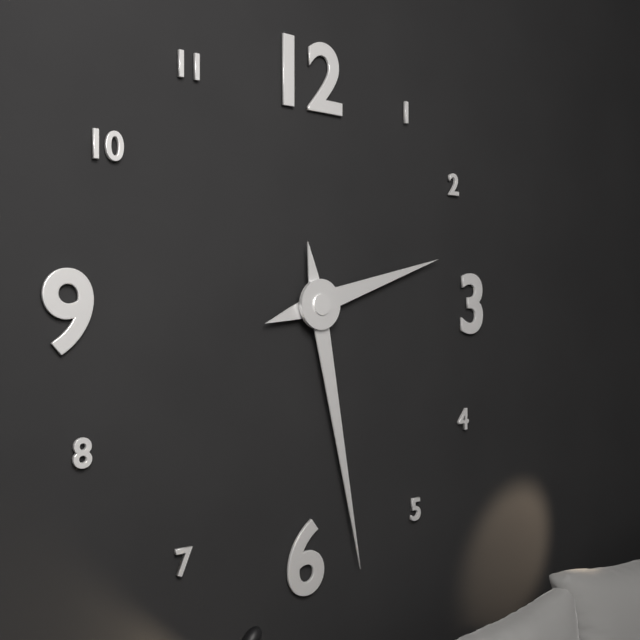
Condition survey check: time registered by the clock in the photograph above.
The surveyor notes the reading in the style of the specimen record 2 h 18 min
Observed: 2 h 28 min
